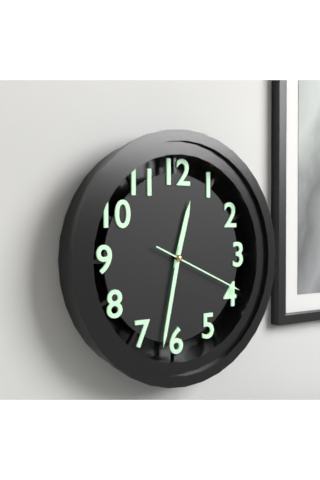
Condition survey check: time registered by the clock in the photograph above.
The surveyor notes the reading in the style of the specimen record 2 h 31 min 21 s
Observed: 12 h 32 min 19 s
